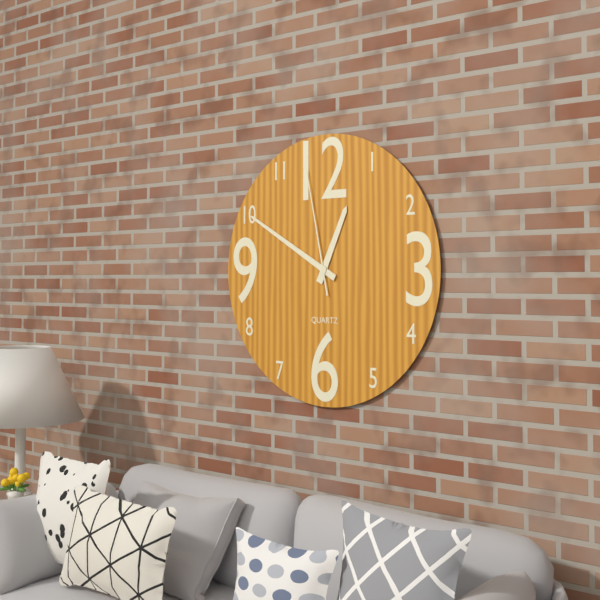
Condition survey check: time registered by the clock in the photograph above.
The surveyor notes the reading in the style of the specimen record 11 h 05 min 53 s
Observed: 12 h 50 min 58 s
